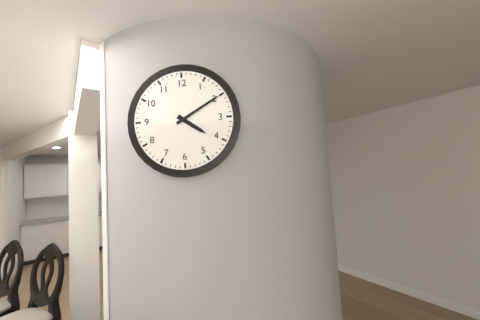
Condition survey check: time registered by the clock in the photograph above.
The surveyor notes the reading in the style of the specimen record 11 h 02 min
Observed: 4 h 10 min
